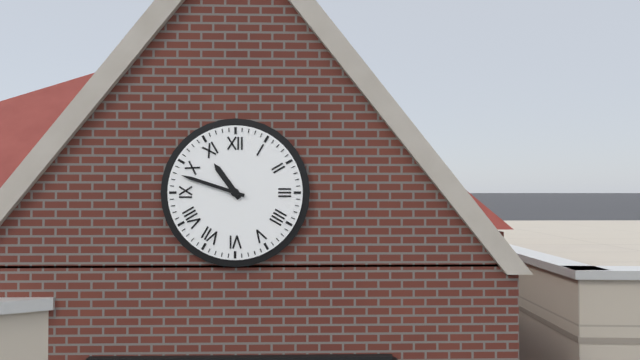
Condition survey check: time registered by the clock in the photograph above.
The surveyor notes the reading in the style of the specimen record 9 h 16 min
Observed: 10 h 48 min
